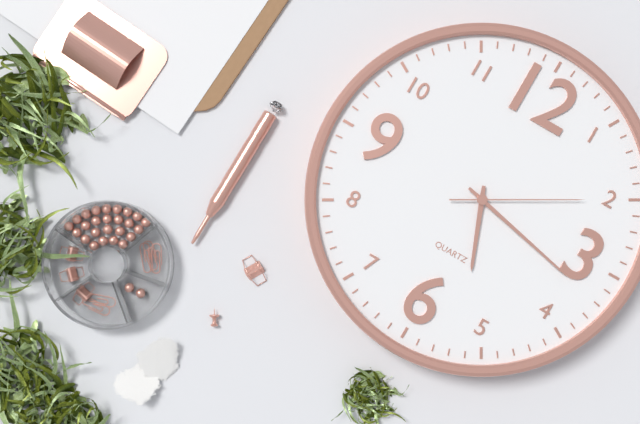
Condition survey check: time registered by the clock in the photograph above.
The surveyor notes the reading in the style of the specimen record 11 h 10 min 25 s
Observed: 5 h 17 min 10 s
